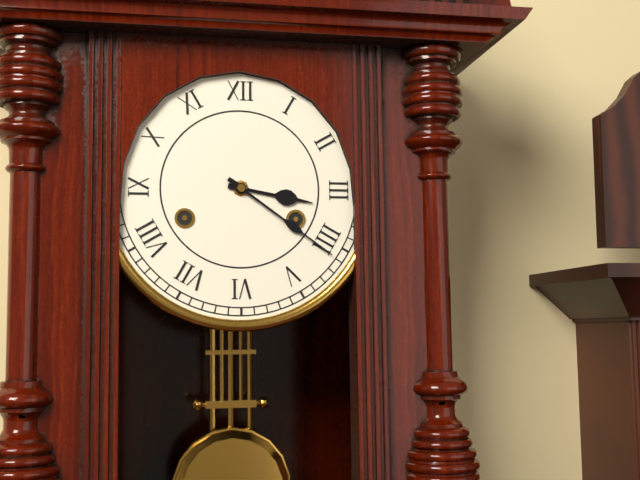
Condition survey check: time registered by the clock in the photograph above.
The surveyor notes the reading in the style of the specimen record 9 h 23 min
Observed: 3 h 21 min
